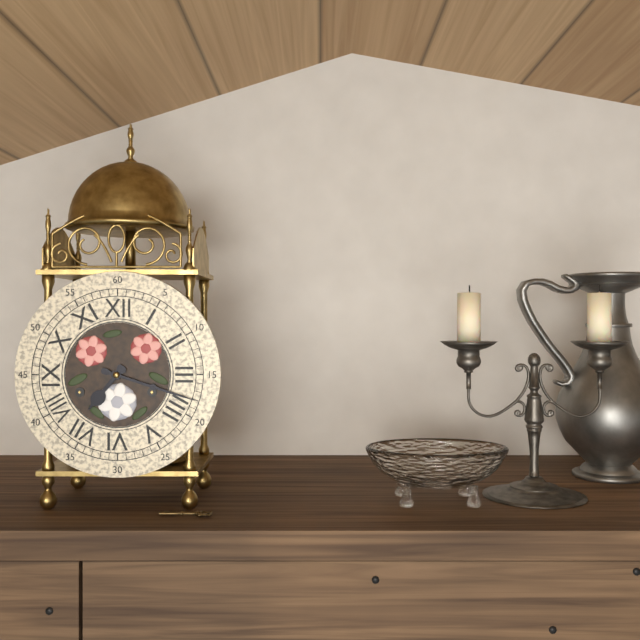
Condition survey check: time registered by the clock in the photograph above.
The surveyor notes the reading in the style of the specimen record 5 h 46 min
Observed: 7 h 18 min
